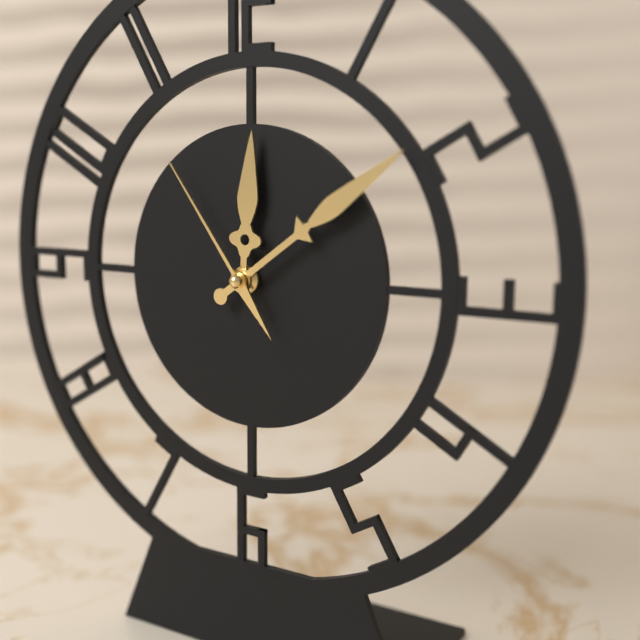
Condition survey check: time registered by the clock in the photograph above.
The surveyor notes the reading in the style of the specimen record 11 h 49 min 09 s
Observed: 12 h 09 min 54 s
